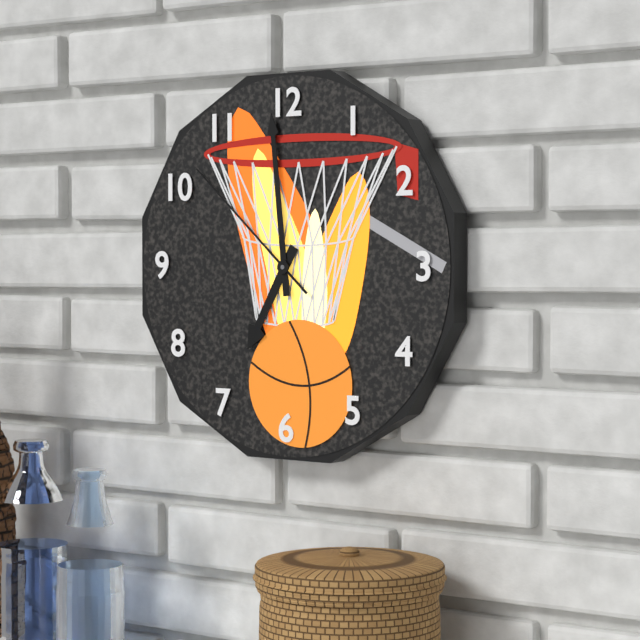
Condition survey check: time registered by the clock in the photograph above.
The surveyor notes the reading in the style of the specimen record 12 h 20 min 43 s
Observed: 6 h 59 min 52 s
